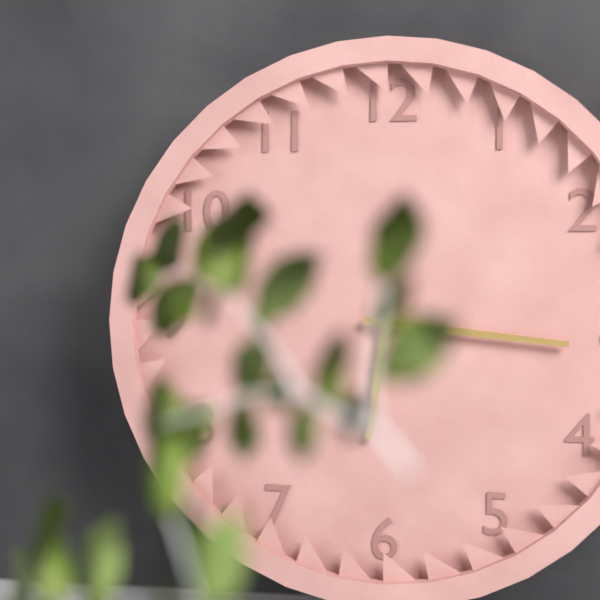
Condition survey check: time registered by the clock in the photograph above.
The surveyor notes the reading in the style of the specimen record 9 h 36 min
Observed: 6 h 16 min
